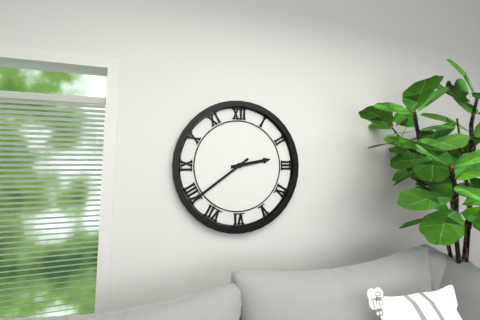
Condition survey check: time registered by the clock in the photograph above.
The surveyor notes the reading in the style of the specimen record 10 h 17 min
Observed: 2 h 39 min
